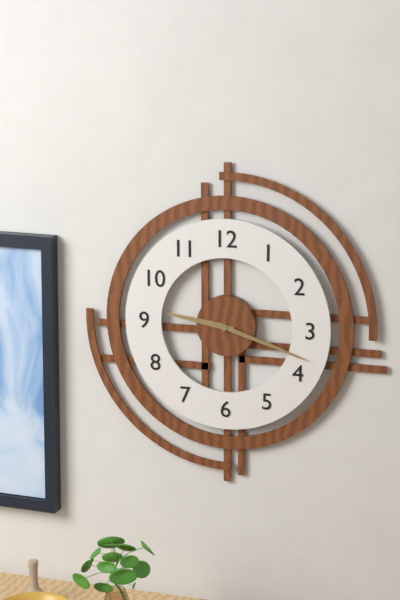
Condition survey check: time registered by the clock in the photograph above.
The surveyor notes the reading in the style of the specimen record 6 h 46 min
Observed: 9 h 18 min
